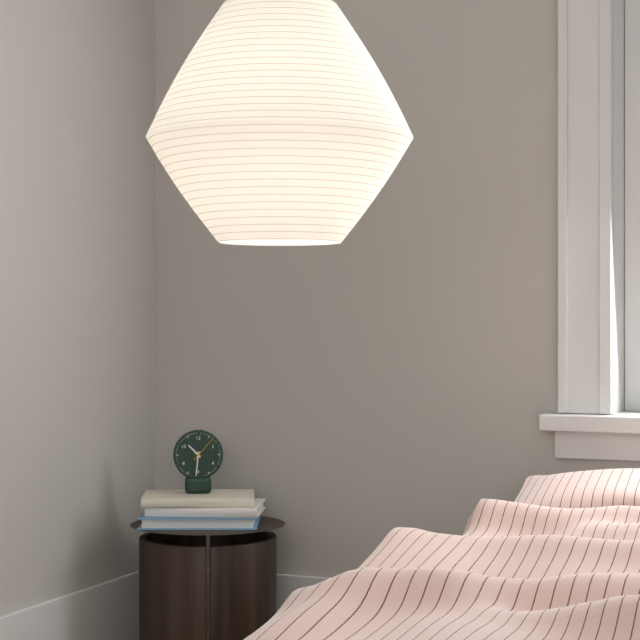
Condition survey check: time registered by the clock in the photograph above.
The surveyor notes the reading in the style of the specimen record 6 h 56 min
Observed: 10 h 31 min
